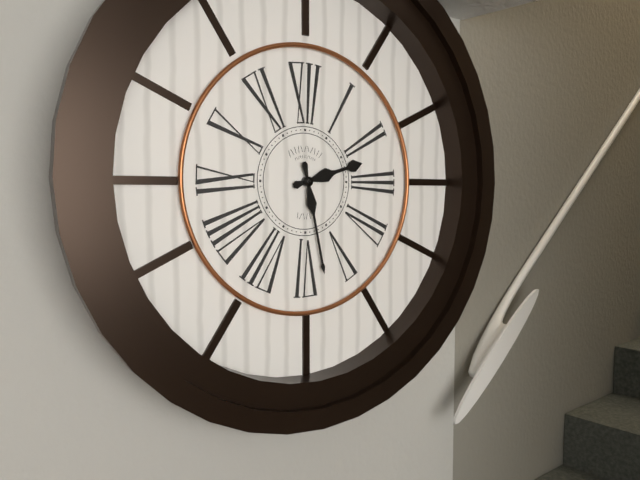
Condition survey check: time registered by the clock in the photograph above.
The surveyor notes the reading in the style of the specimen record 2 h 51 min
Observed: 2 h 28 min
